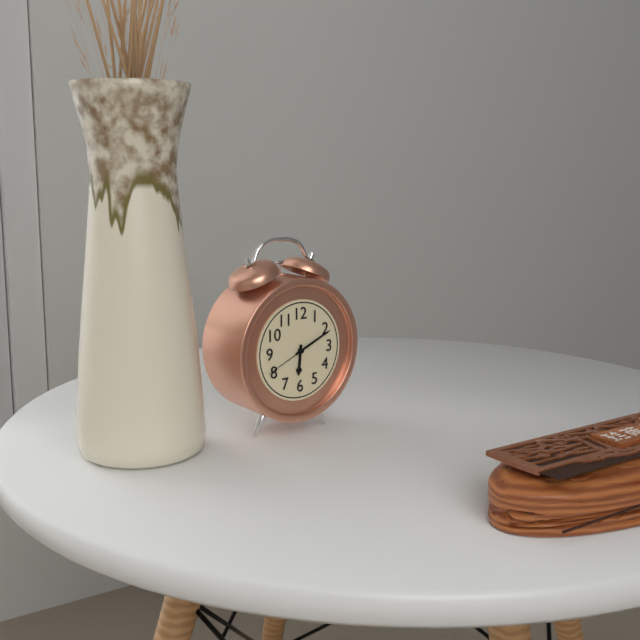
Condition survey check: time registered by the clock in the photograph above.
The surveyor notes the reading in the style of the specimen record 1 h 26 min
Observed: 6 h 11 min
